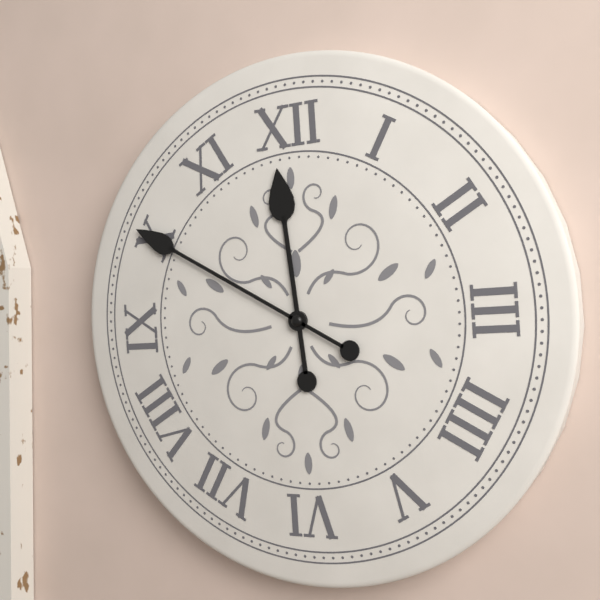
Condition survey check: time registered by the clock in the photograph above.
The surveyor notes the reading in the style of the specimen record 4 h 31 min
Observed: 11 h 50 min
